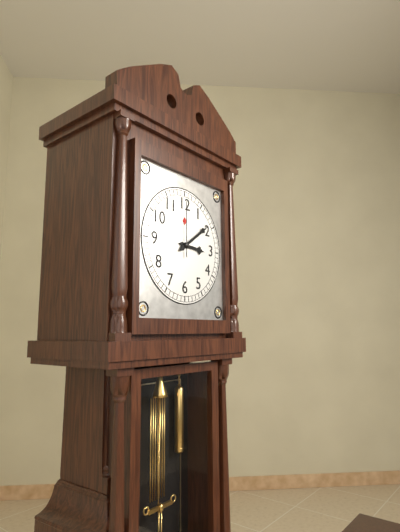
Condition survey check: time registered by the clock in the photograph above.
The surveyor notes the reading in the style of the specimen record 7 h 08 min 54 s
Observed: 3 h 09 min 00 s
